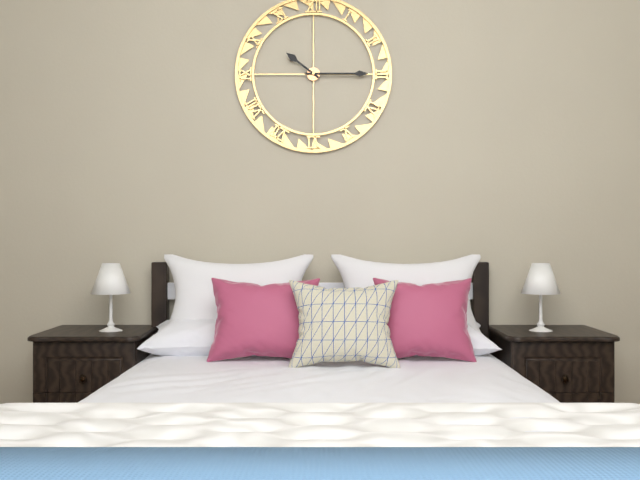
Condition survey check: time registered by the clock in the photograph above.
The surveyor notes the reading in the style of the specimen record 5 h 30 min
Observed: 10 h 15 min
